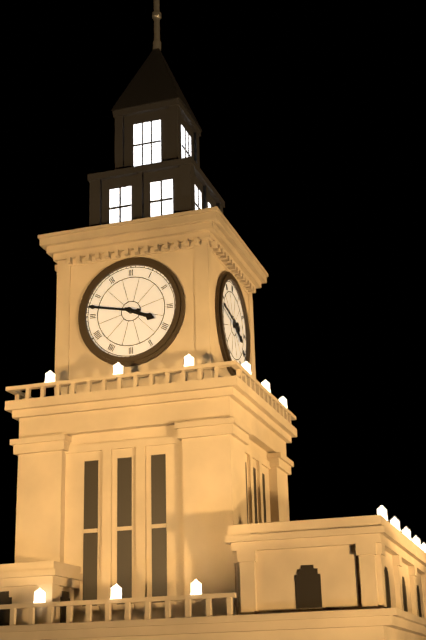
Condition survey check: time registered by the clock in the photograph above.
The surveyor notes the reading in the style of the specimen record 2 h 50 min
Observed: 3 h 47 min
